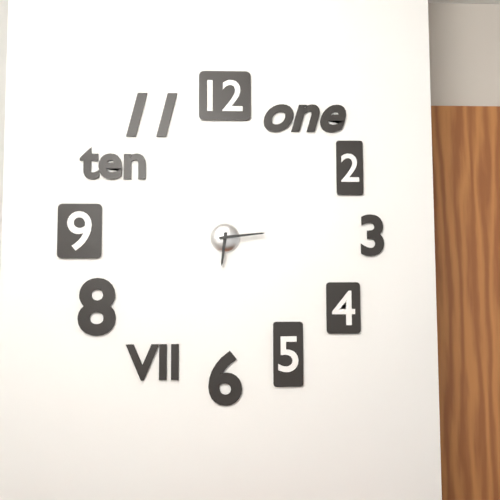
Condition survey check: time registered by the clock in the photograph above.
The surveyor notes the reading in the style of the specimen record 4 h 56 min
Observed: 6 h 14 min
